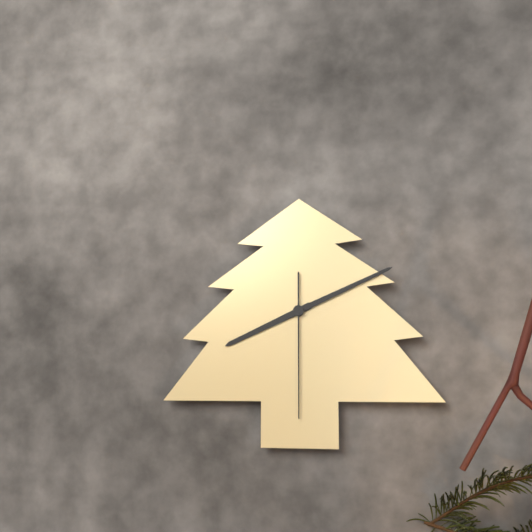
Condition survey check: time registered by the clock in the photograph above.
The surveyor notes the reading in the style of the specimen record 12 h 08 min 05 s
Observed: 8 h 11 min 30 s
